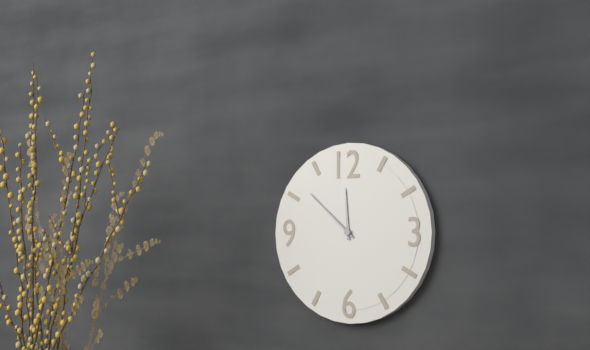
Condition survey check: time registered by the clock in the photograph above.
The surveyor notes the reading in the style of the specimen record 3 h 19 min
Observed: 11 h 52 min
